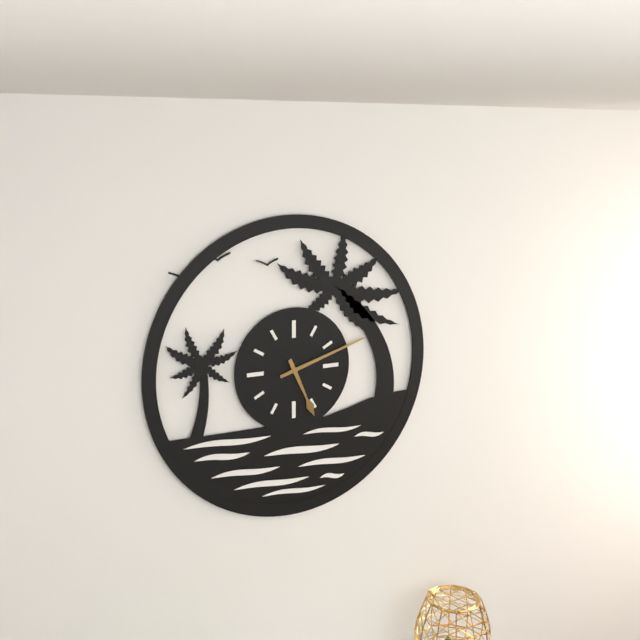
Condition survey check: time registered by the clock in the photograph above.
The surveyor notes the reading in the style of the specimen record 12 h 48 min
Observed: 5 h 12 min
